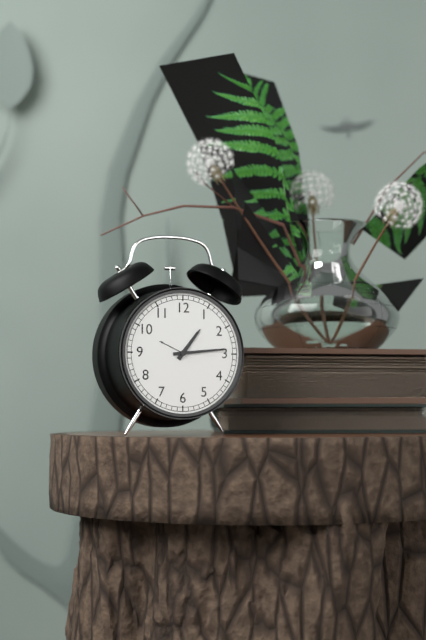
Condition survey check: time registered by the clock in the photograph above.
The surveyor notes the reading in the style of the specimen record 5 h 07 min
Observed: 1 h 14 min
